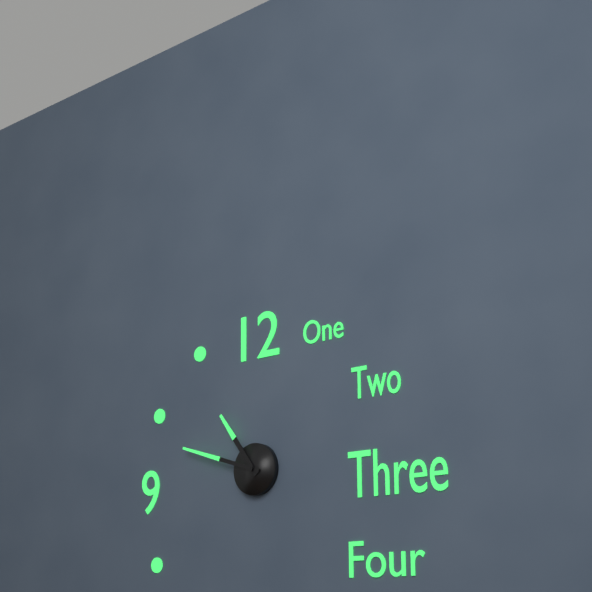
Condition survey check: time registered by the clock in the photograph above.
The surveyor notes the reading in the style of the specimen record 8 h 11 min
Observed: 10 h 48 min
